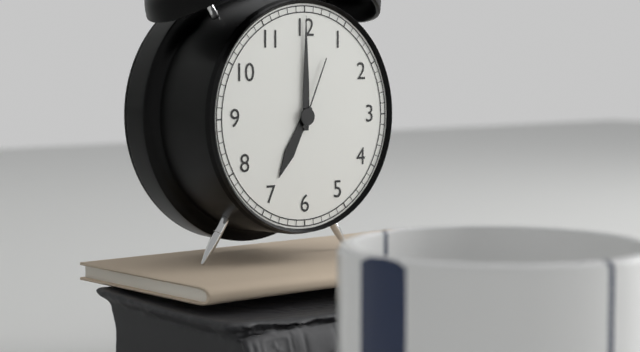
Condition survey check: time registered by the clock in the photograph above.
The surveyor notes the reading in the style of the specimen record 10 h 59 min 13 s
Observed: 7 h 00 min 04 s
